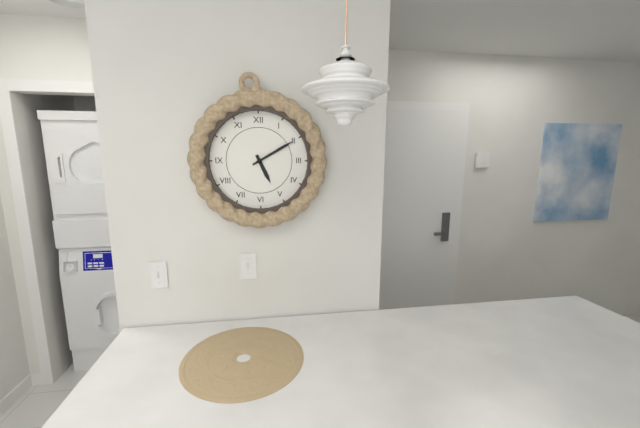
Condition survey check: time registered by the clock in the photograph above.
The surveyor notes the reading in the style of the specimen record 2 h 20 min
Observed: 5 h 10 min
